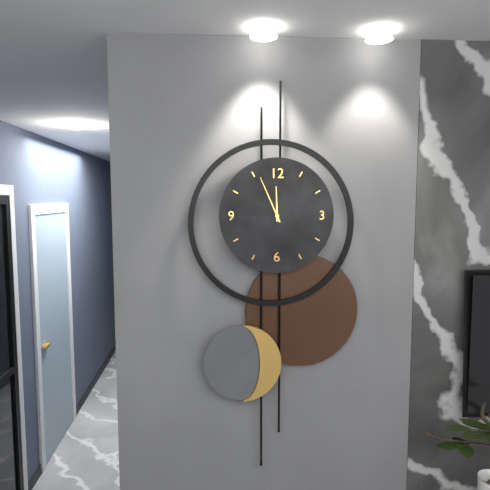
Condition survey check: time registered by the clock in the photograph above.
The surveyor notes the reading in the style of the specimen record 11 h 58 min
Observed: 11 h 56 min
